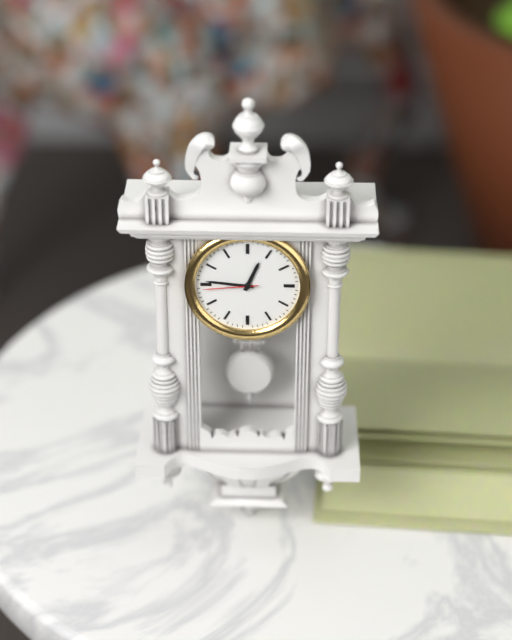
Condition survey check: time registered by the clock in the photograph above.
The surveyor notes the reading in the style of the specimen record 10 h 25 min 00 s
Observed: 12 h 46 min 44 s
